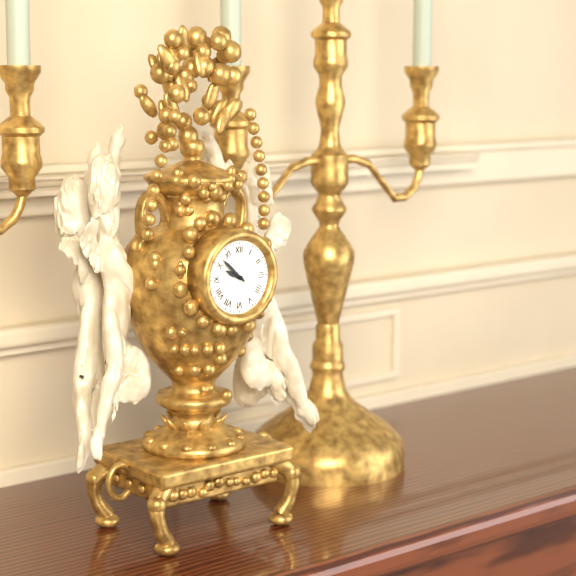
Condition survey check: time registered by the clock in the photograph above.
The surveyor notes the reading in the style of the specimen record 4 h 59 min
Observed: 9 h 52 min
